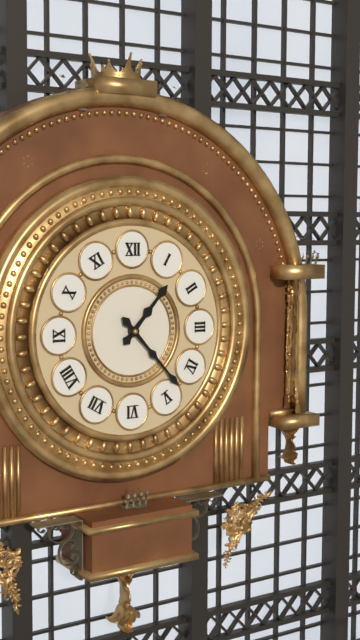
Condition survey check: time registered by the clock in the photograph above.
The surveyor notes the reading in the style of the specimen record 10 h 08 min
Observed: 1 h 23 min
